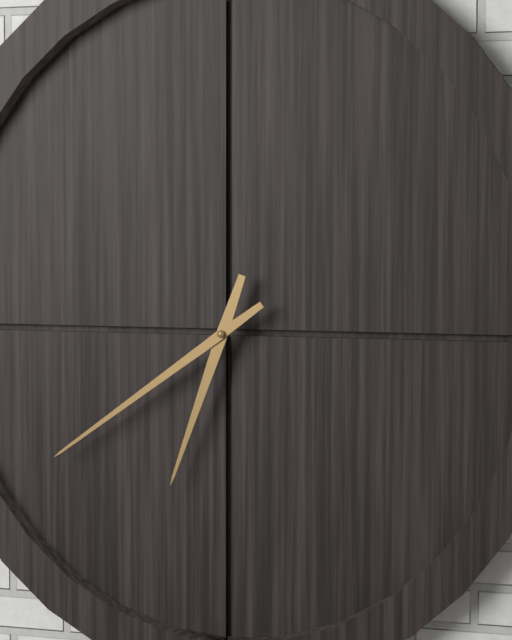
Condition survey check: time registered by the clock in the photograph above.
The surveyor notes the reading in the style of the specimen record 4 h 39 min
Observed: 6 h 39 min
